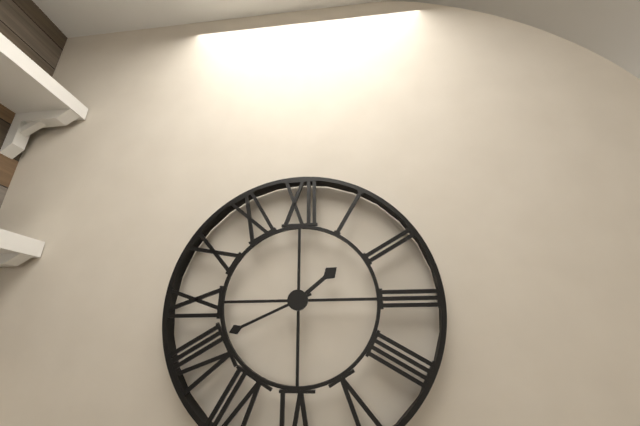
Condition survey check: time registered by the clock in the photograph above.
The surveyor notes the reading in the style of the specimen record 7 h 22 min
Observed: 1 h 41 min
